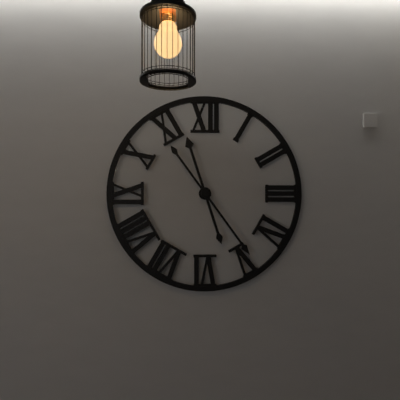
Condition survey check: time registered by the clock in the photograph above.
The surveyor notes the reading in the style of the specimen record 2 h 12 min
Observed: 11 h 24 min
